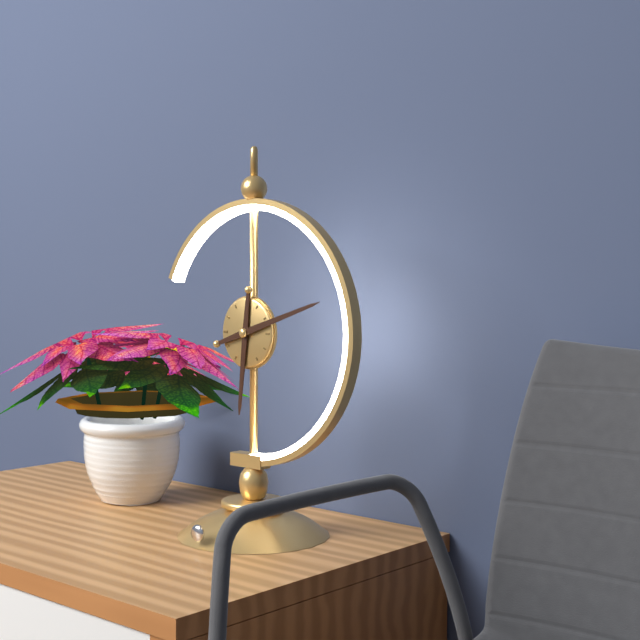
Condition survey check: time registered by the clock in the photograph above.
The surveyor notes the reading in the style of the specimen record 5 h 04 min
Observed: 6 h 12 min
